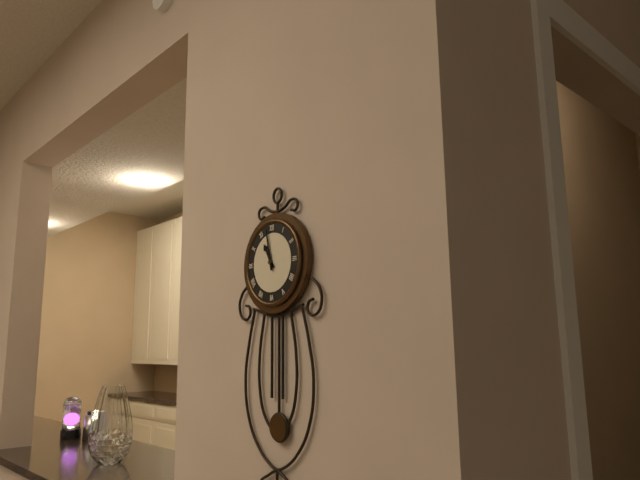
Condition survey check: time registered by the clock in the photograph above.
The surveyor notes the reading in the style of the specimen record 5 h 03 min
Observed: 10 h 58 min
